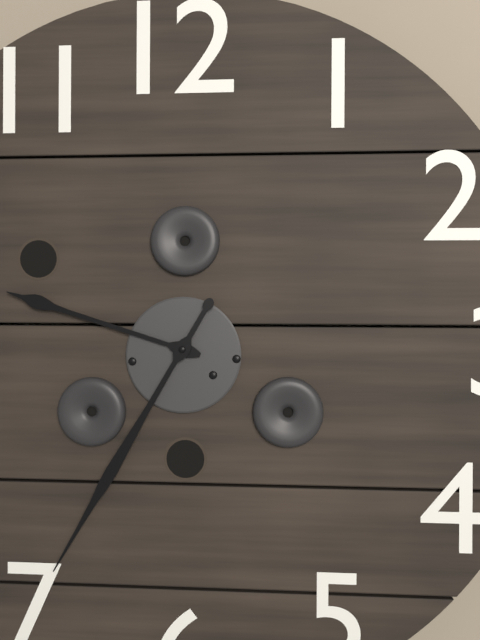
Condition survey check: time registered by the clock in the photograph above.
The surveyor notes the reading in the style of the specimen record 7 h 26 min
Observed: 9 h 35 min
